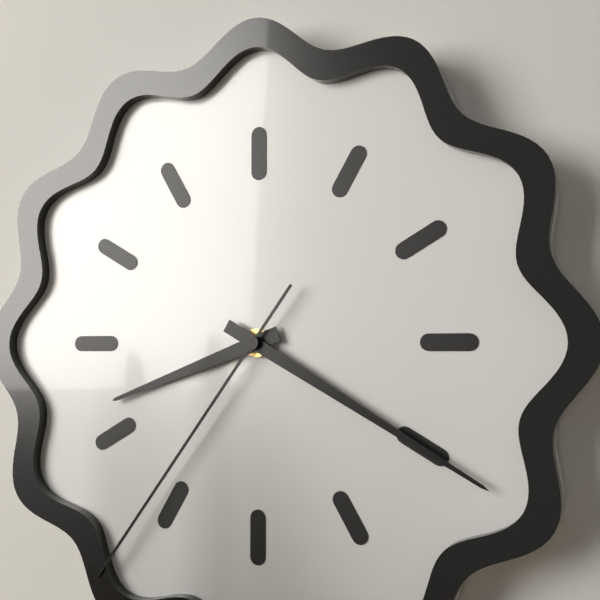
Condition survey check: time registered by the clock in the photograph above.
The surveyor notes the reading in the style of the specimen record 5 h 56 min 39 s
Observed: 8 h 20 min 36 s
